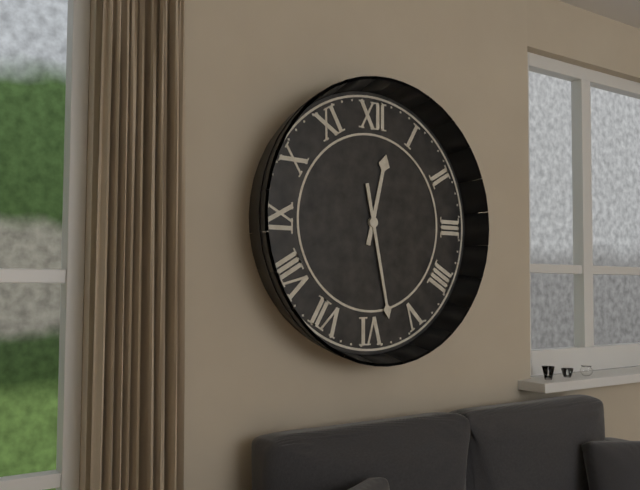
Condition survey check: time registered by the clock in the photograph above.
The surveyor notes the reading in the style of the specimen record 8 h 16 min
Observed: 12 h 28 min
